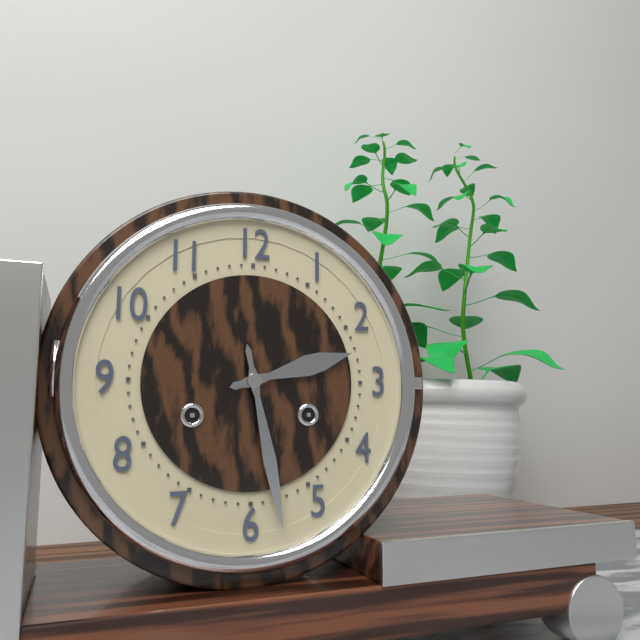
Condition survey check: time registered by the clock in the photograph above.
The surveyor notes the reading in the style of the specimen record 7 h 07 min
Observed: 2 h 28 min
